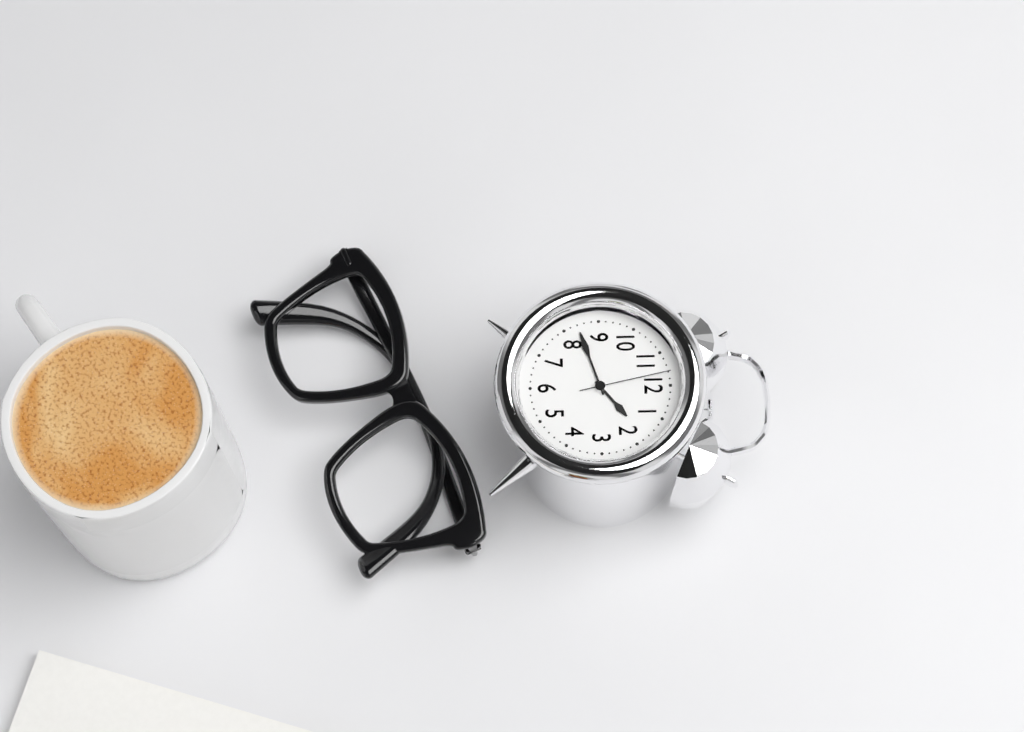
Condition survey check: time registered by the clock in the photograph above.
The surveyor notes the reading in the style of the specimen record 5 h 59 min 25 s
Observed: 1 h 42 min 58 s
